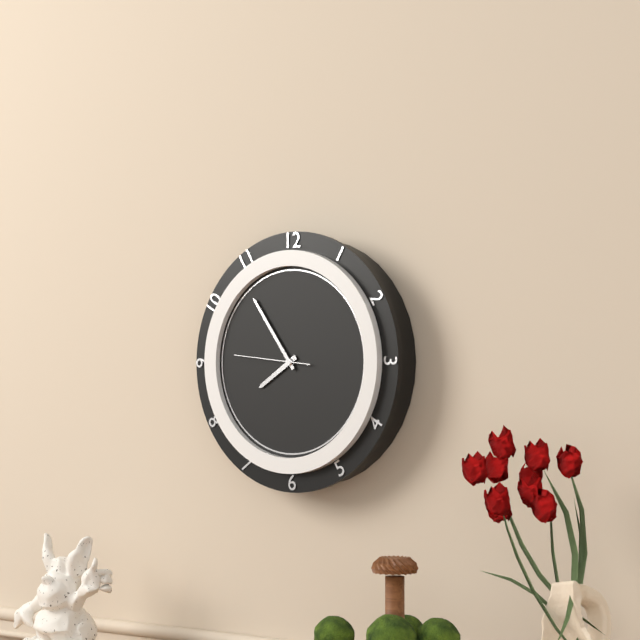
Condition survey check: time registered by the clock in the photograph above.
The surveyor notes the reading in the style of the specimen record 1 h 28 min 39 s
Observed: 7 h 54 min 46 s
